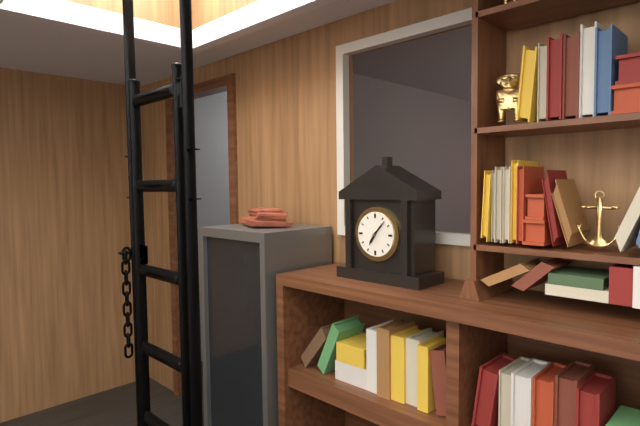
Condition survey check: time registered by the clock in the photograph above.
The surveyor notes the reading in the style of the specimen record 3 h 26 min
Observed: 7 h 07 min
